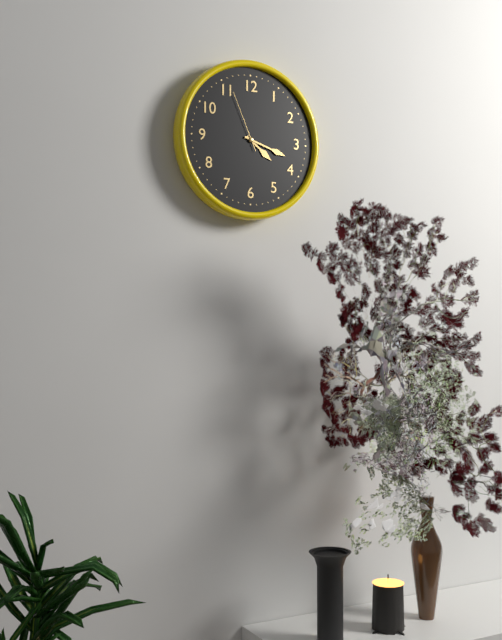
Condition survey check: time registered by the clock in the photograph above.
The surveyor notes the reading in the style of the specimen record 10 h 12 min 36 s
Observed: 4 h 18 min 56 s
